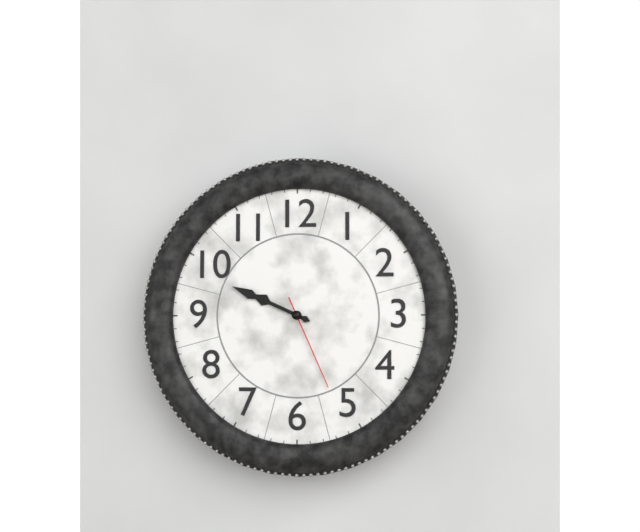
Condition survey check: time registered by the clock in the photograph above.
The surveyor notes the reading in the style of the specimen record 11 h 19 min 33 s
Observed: 9 h 49 min 26 s
